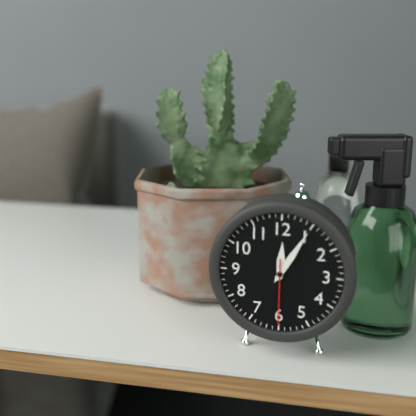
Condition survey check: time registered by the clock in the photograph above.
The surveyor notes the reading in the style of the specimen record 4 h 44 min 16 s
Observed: 12 h 05 min 30 s
